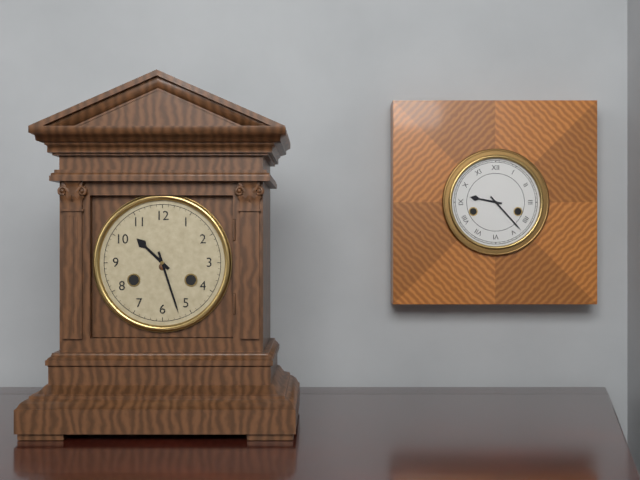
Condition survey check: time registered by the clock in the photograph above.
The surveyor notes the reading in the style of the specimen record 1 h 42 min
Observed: 10 h 27 min
